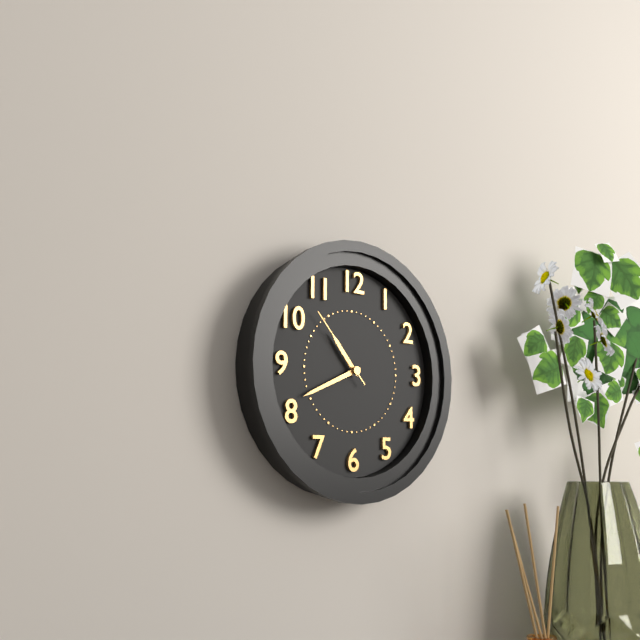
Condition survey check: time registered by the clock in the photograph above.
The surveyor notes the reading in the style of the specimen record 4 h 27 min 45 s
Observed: 10 h 41 min 53 s
